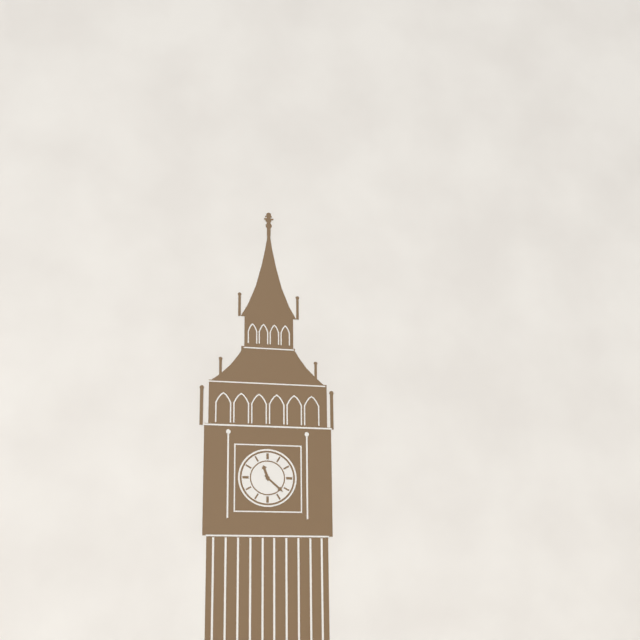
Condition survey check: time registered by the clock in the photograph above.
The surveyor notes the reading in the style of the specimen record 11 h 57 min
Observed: 11 h 22 min
